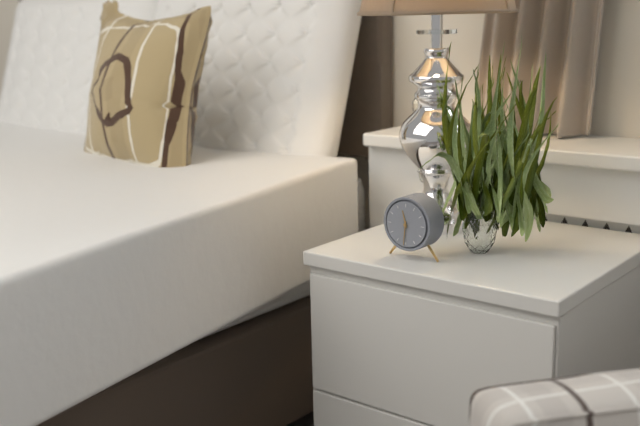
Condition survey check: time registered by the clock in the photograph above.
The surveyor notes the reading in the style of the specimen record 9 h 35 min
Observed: 11 h 31 min
